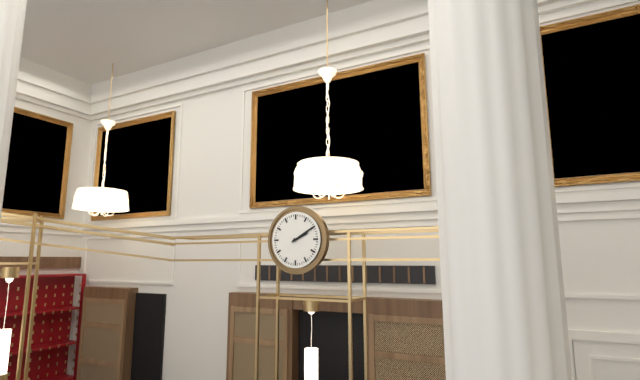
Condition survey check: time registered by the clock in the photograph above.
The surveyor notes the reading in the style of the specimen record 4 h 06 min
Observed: 2 h 10 min
